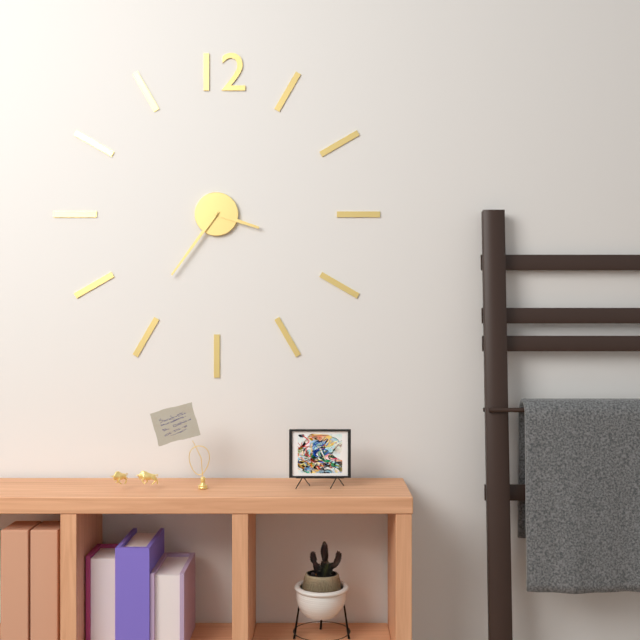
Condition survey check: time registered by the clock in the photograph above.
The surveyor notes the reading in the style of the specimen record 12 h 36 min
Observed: 3 h 36 min
